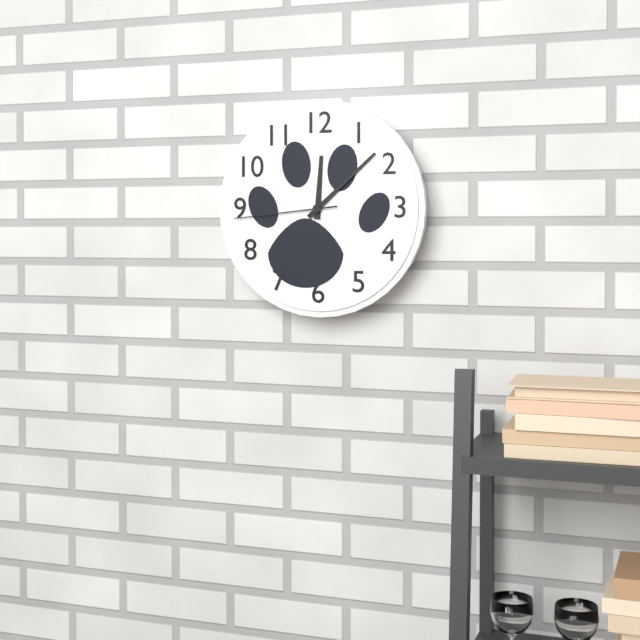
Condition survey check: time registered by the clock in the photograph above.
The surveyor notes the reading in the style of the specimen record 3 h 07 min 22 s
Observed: 12 h 08 min 44 s
